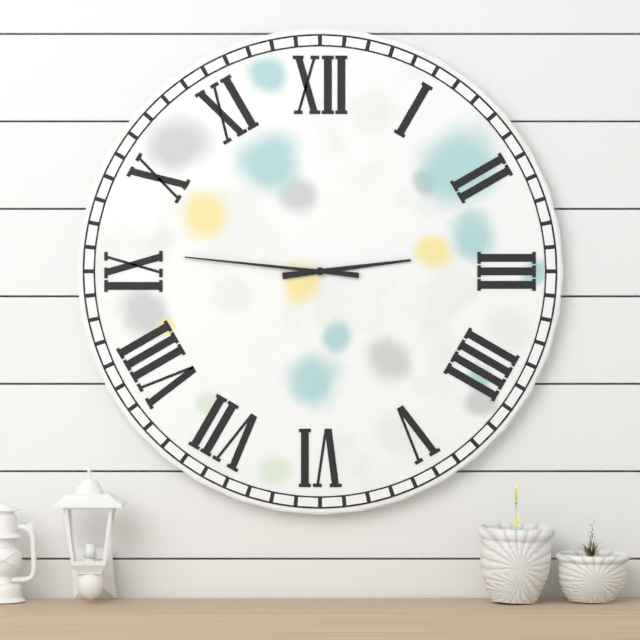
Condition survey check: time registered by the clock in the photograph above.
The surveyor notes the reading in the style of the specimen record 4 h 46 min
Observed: 2 h 46 min
